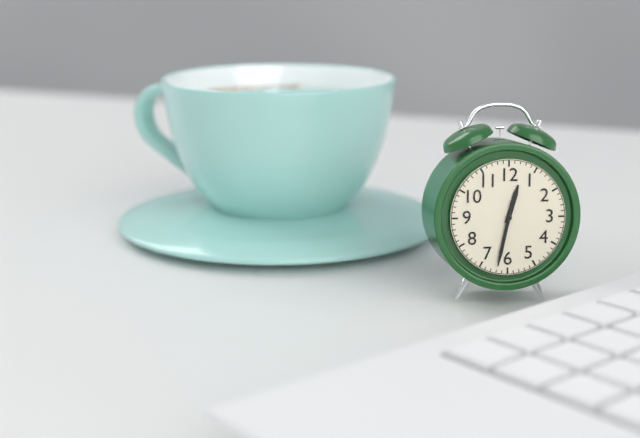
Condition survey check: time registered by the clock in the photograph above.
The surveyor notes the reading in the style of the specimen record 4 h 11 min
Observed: 12 h 32 min
